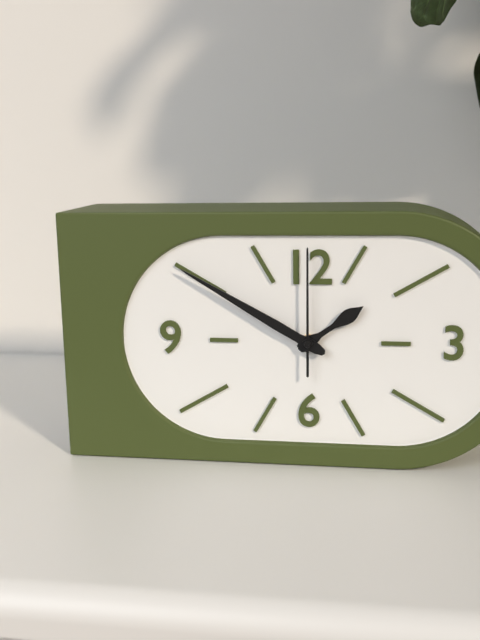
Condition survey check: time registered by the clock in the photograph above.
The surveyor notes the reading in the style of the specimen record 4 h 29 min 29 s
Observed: 1 h 50 min 00 s
